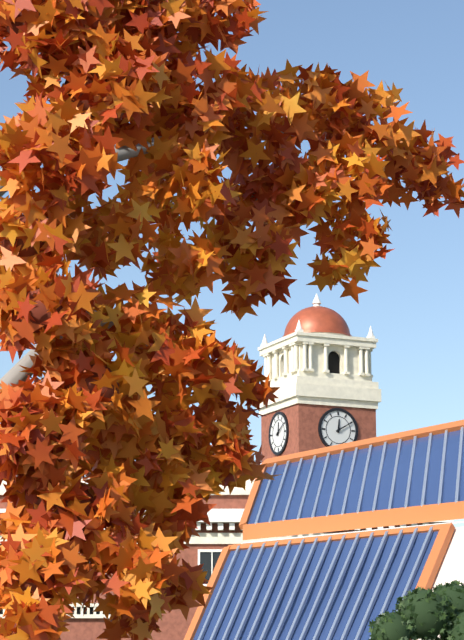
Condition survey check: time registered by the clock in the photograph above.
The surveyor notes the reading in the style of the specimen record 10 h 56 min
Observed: 12 h 10 min
